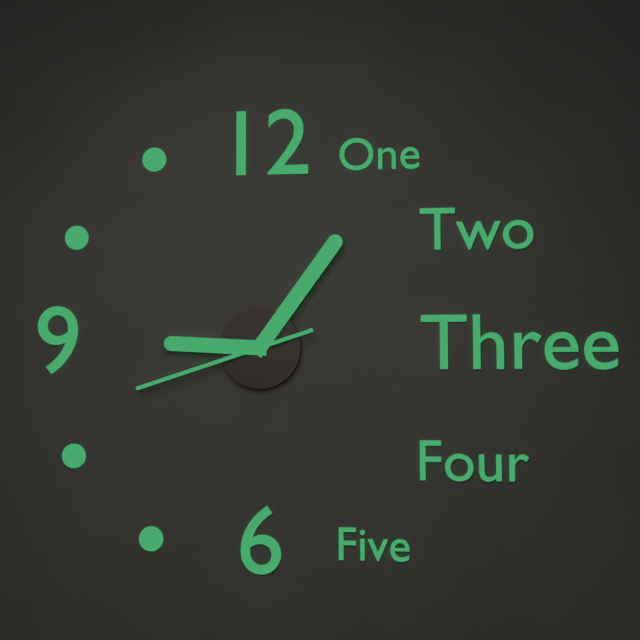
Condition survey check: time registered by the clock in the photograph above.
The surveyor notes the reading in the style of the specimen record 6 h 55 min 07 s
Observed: 9 h 06 min 42 s
